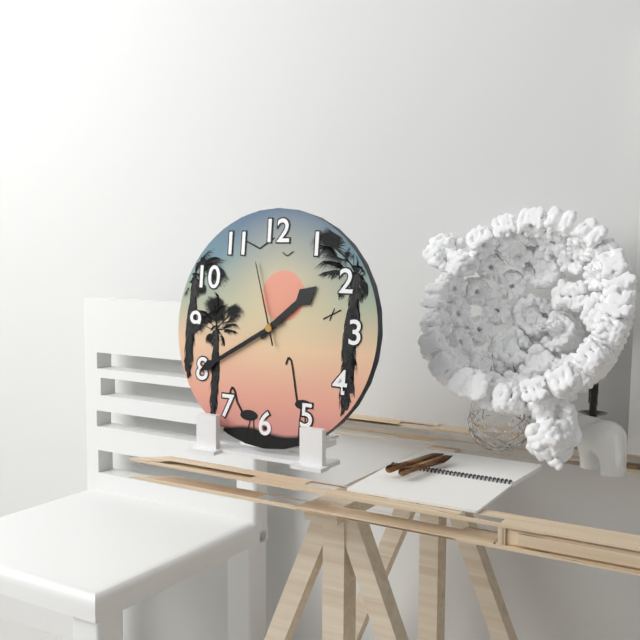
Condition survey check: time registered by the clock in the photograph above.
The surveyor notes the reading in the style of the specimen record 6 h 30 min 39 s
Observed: 1 h 40 min 57 s
